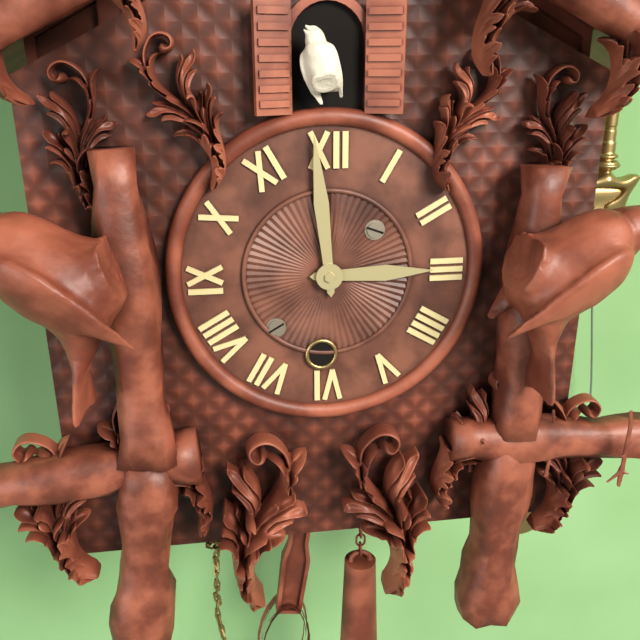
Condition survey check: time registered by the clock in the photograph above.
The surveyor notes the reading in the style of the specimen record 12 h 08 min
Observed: 2 h 59 min
